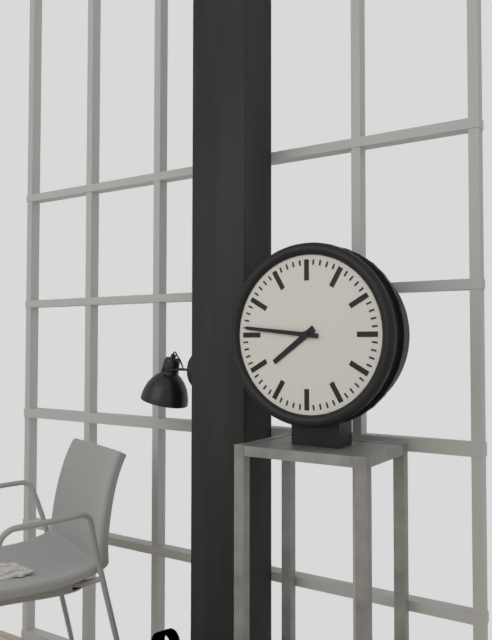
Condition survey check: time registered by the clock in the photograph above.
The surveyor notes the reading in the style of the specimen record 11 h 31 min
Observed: 7 h 46 min
